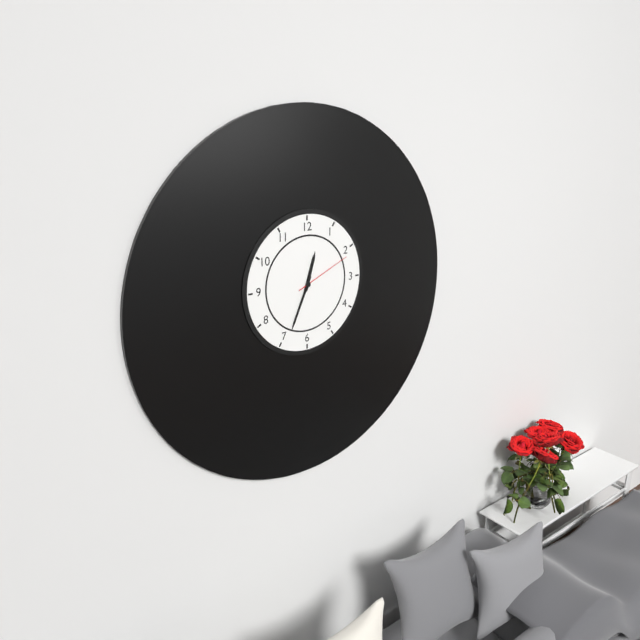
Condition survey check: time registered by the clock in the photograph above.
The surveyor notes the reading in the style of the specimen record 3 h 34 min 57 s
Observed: 12 h 34 min 11 s
